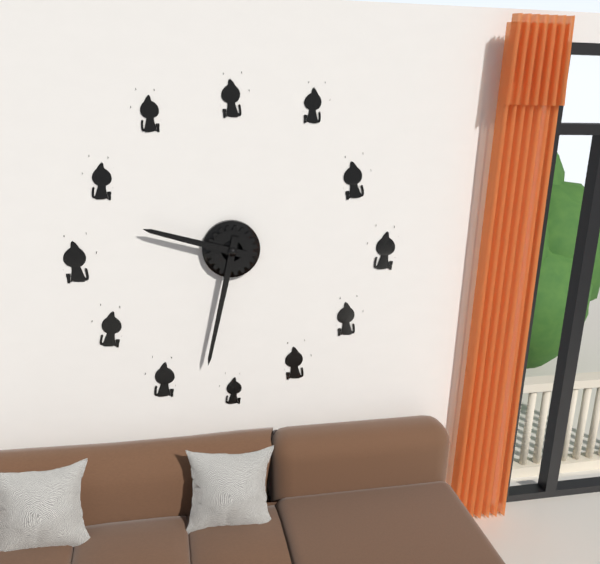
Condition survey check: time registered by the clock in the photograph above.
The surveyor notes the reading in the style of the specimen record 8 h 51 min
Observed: 9 h 32 min
